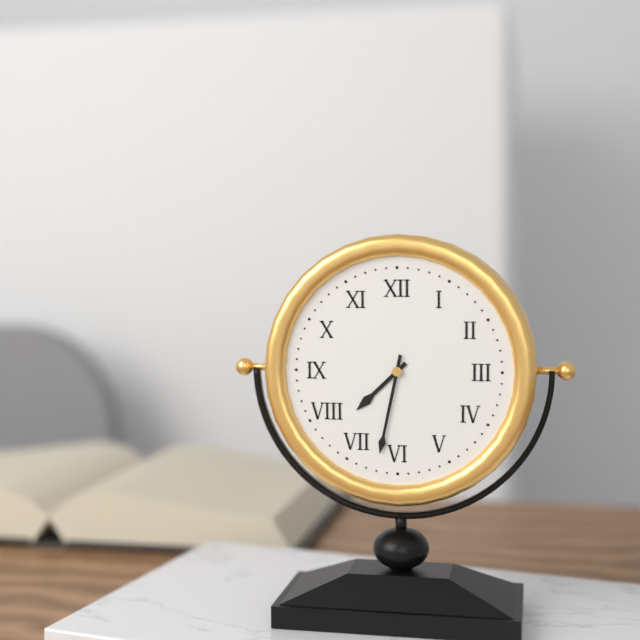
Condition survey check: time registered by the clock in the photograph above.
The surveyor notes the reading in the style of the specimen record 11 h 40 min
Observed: 7 h 32 min
